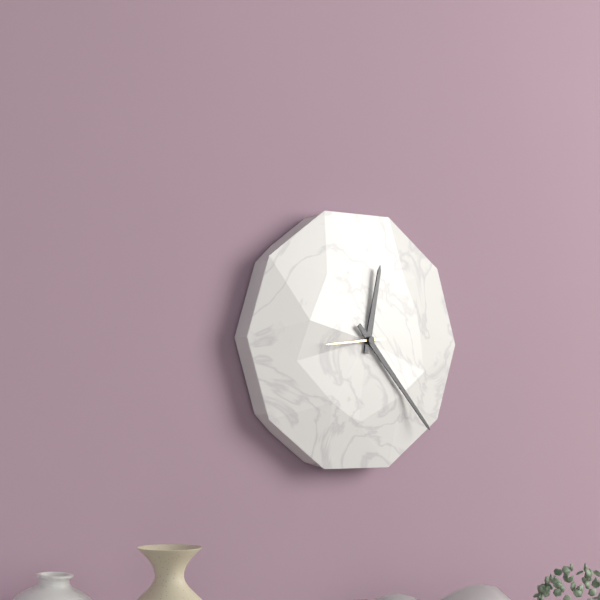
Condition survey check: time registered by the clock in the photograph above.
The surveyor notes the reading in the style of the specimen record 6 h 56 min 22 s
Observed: 12 h 23 min 44 s
